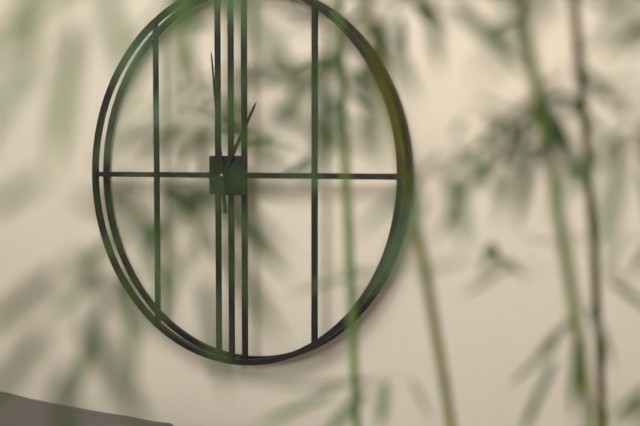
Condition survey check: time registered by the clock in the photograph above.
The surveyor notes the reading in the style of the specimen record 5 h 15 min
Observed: 12 h 59 min
